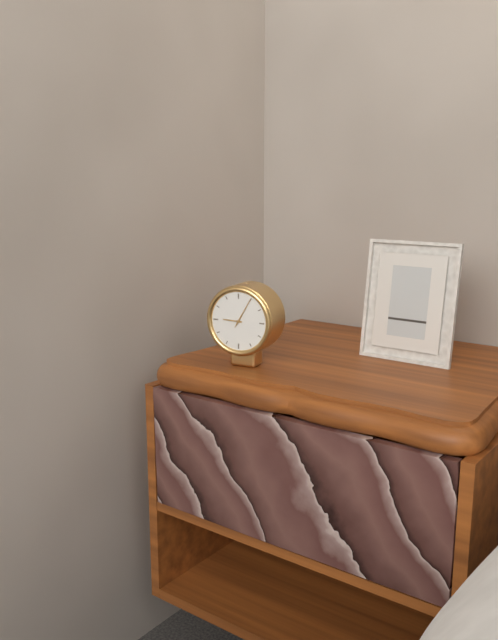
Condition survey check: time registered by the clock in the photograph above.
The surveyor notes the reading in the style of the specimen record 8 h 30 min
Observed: 9 h 05 min
